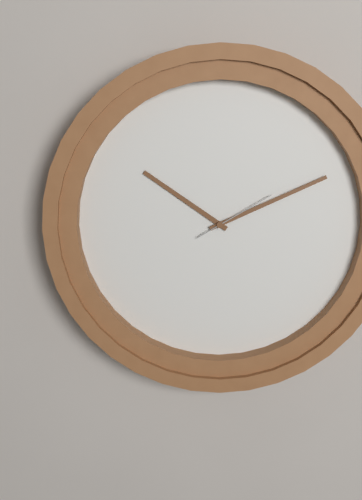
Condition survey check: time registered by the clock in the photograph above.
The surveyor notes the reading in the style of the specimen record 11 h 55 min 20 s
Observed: 10 h 11 min 10 s
